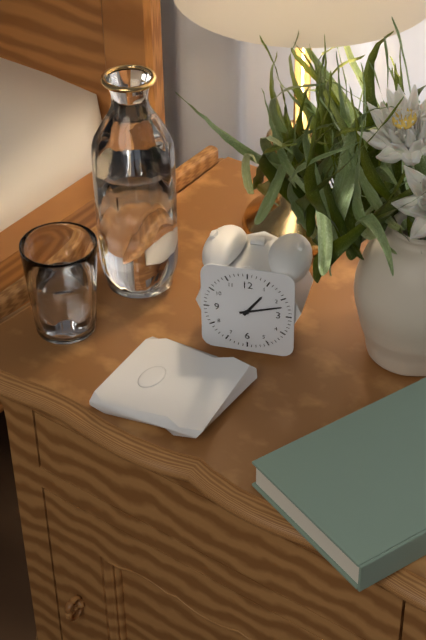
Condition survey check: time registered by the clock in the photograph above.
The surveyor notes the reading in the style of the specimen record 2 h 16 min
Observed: 1 h 12 min
